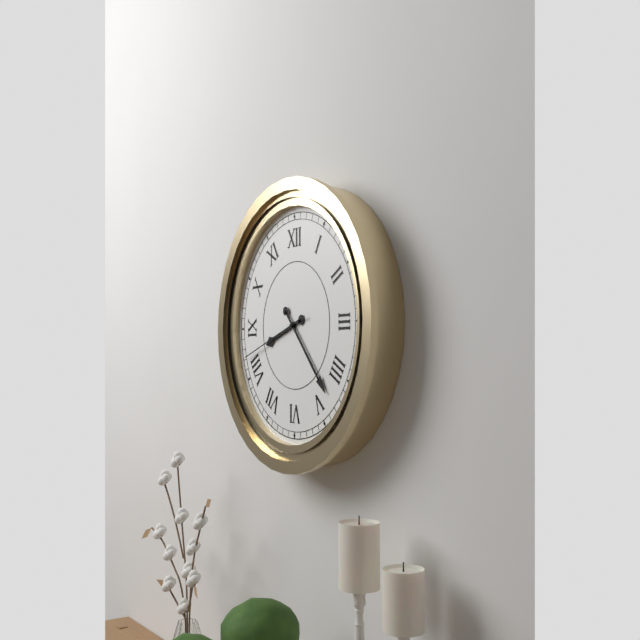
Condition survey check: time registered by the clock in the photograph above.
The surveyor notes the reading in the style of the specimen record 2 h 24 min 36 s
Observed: 8 h 23 min 42 s
